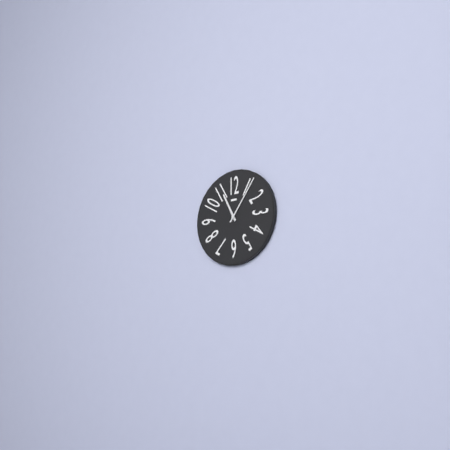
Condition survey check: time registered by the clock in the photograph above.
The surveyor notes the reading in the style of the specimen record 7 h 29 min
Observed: 11 h 06 min
